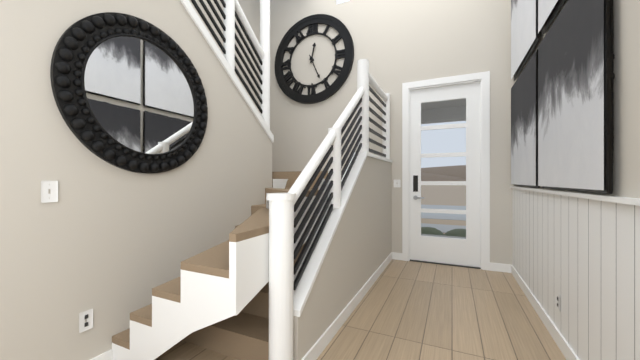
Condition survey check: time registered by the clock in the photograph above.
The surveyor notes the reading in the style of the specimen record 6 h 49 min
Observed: 12 h 26 min
